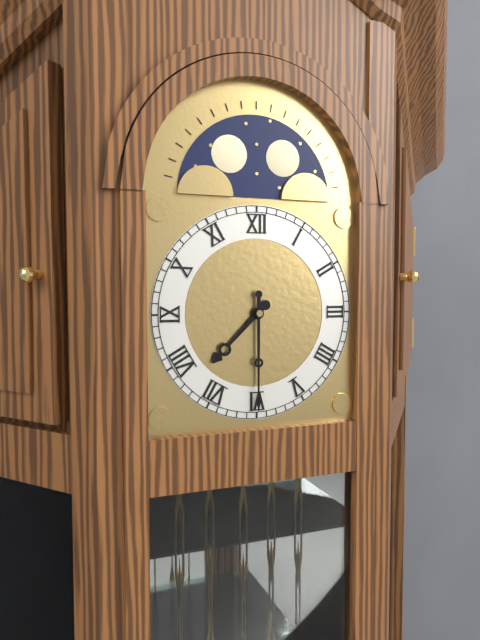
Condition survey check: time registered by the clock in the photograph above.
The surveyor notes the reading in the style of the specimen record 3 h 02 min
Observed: 7 h 30 min
